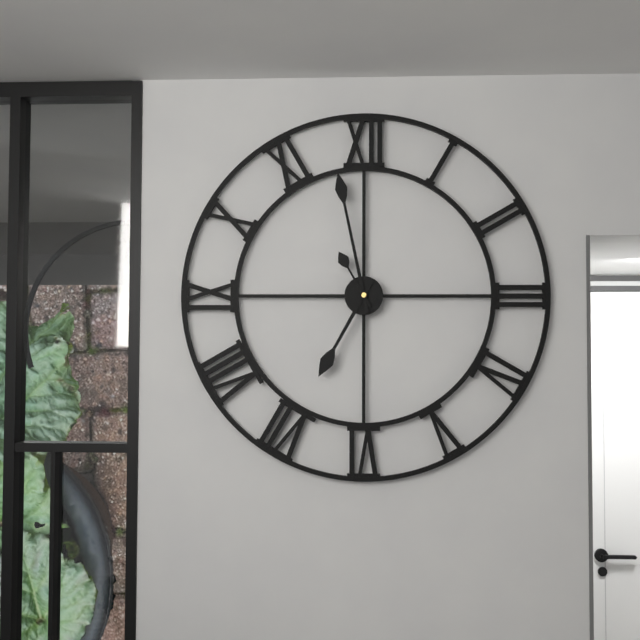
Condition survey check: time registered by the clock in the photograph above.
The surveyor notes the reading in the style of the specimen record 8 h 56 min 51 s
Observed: 6 h 58 min 55 s
